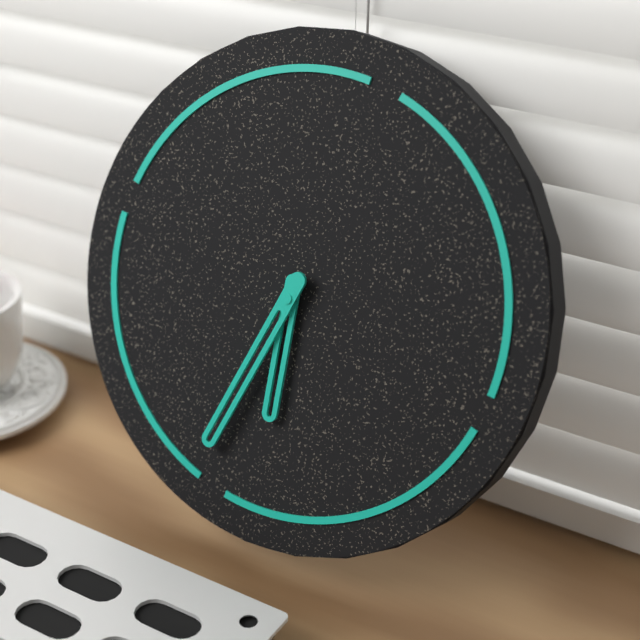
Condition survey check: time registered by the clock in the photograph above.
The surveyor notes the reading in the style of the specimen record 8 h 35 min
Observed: 5 h 31 min
